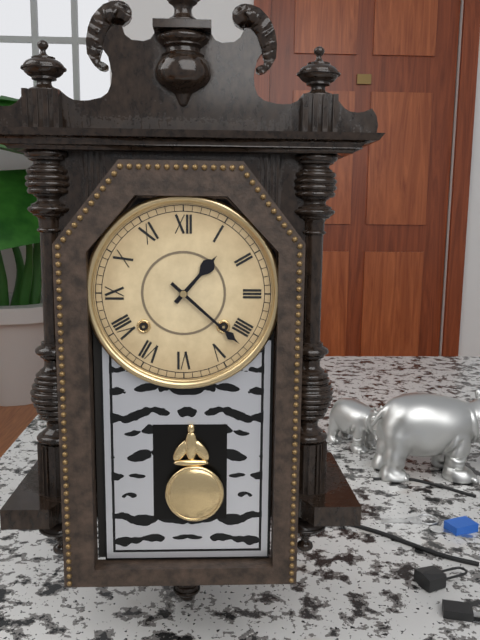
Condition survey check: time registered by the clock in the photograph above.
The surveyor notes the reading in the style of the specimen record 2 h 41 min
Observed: 1 h 22 min
